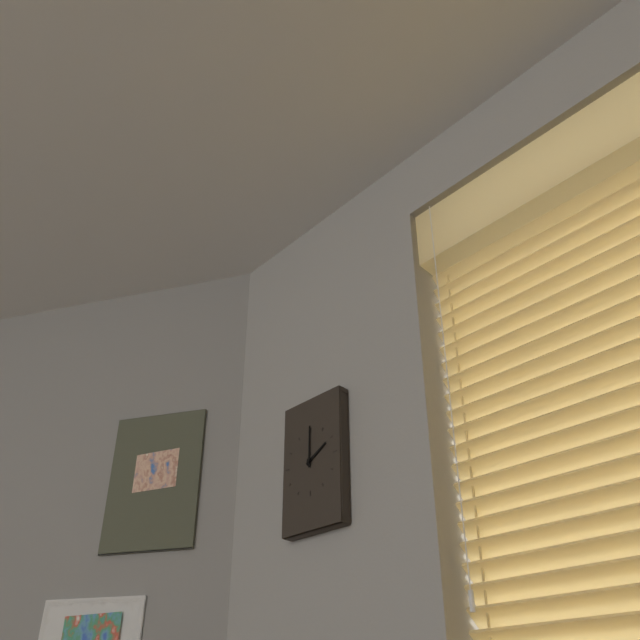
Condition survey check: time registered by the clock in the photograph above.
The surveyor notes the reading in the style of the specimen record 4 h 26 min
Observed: 2 h 00 min
